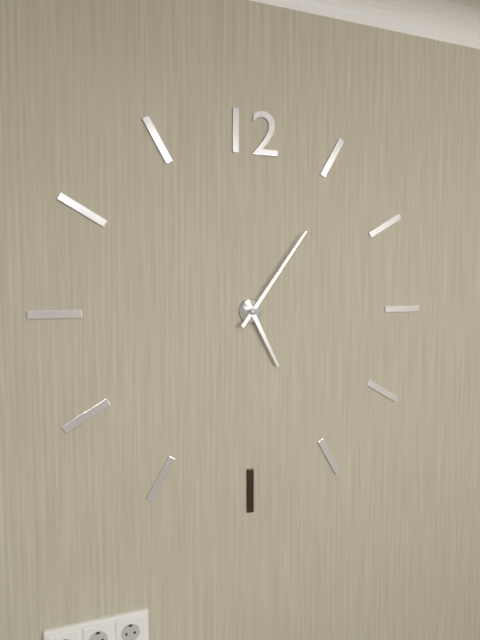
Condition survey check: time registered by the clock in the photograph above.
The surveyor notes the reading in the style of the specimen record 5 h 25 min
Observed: 5 h 06 min
